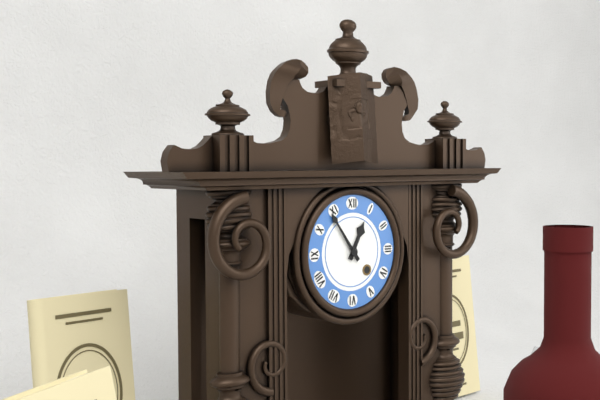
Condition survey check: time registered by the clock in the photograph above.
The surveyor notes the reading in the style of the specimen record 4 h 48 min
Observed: 12 h 54 min
